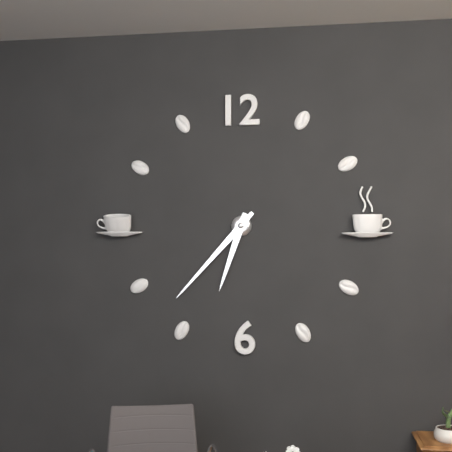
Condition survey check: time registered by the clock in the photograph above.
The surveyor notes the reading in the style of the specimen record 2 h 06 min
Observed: 6 h 37 min
